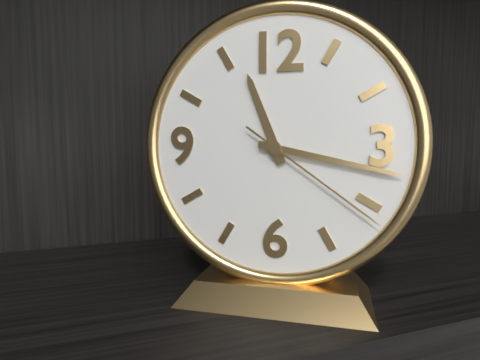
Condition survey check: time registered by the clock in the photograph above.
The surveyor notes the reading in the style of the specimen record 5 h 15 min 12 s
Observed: 11 h 17 min 21 s
